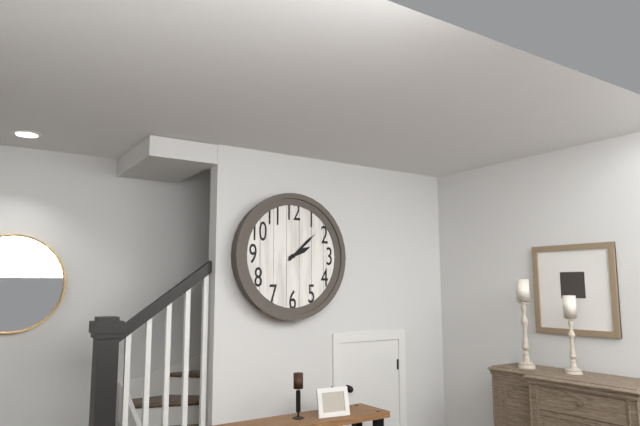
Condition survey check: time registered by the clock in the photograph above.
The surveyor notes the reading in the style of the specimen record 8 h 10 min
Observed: 2 h 08 min
